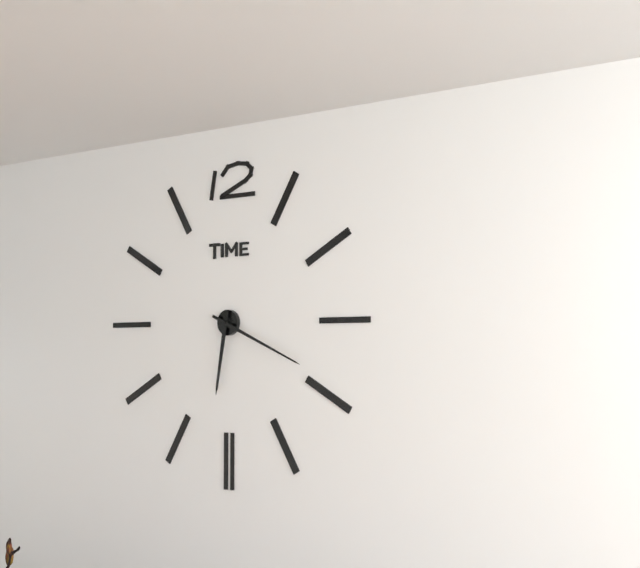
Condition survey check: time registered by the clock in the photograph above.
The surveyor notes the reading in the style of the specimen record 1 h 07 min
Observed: 6 h 19 min
